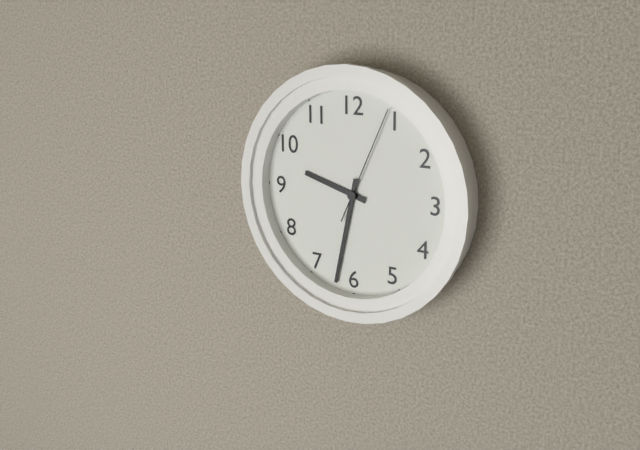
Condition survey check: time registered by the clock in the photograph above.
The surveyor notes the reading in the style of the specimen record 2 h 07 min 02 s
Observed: 9 h 32 min 04 s
